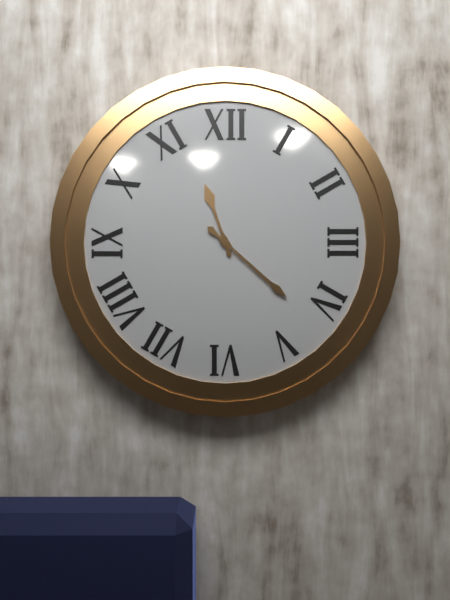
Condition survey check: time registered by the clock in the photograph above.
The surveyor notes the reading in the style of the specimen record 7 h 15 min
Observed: 11 h 22 min
